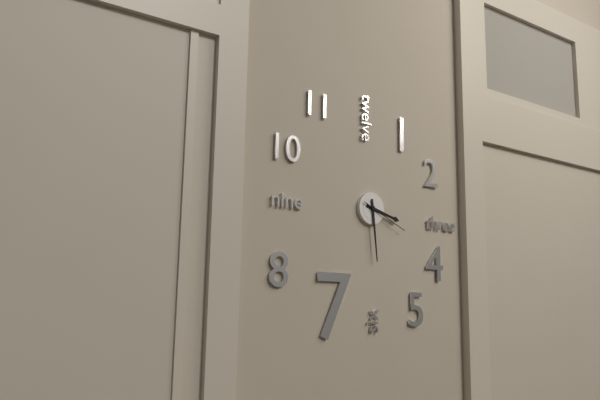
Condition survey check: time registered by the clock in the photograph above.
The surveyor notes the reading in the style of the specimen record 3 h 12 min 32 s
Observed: 3 h 29 min 19 s
